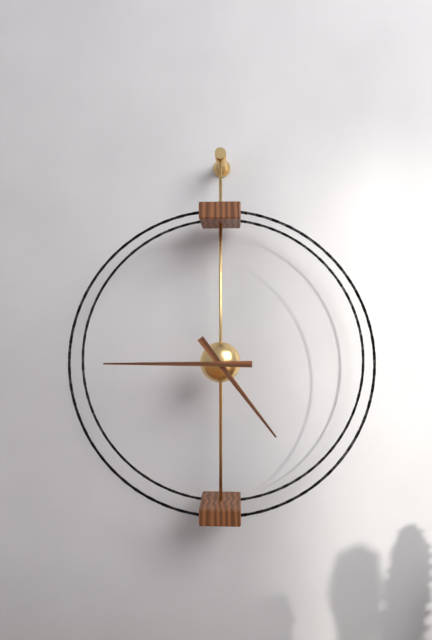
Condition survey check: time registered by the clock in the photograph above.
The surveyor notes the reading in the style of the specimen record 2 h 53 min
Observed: 4 h 45 min
